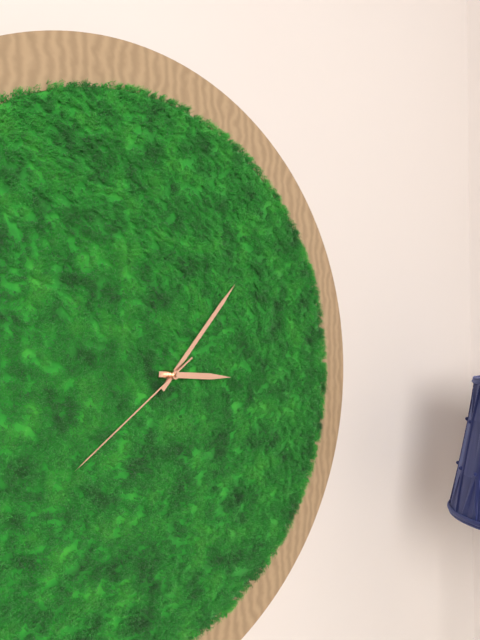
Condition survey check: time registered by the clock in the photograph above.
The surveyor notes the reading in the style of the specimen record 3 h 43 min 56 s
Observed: 3 h 07 min 39 s
